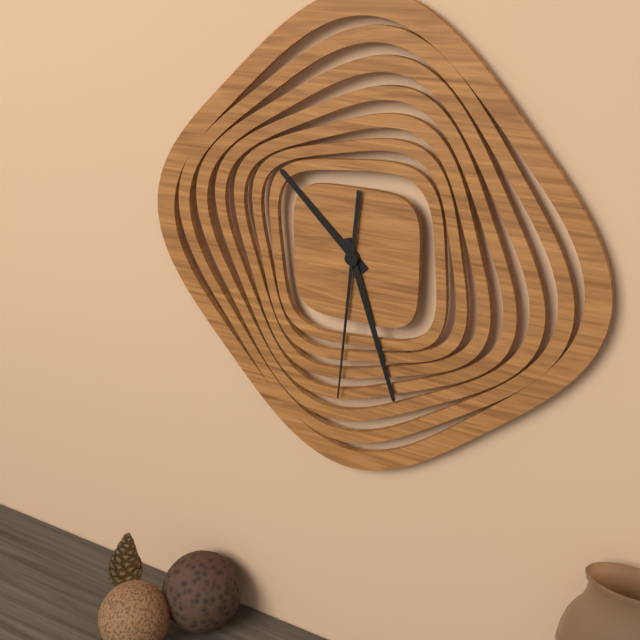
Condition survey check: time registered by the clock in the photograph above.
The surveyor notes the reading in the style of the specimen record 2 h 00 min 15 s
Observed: 10 h 27 min 31 s
